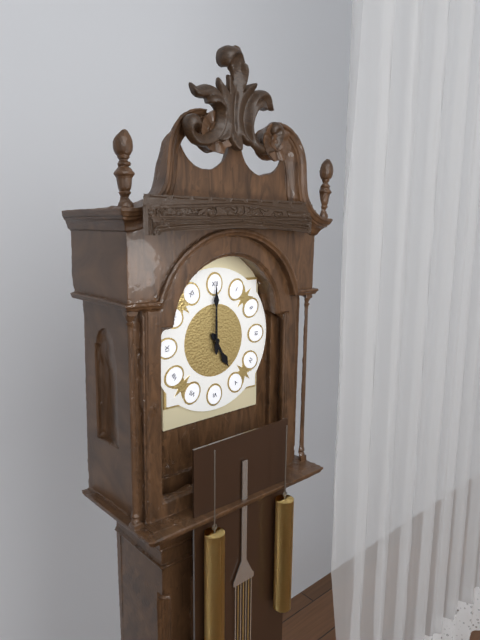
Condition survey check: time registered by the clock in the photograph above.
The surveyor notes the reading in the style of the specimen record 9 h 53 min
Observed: 5 h 00 min
